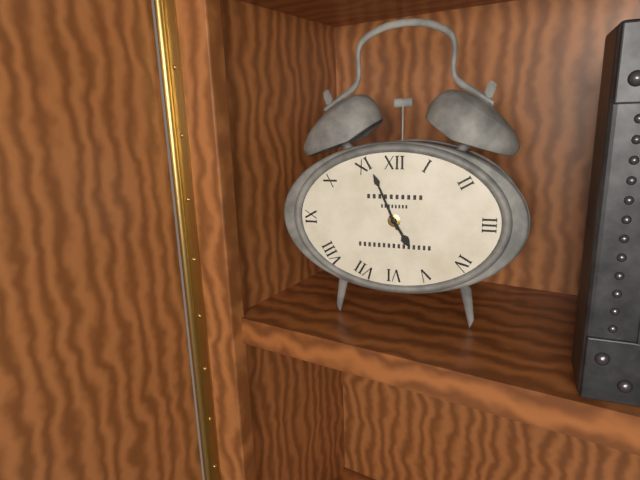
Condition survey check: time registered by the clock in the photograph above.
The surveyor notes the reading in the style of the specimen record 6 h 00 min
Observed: 4 h 56 min
